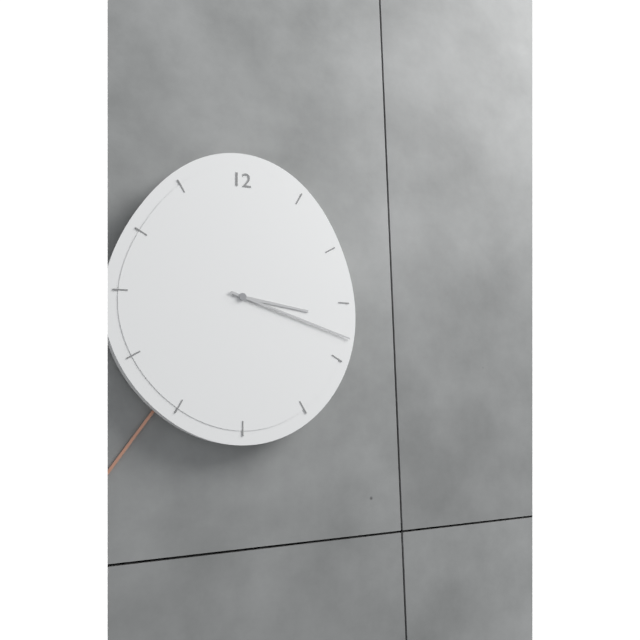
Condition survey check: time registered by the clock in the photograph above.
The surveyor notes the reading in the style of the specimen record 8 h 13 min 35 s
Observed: 3 h 18 min 36 s
